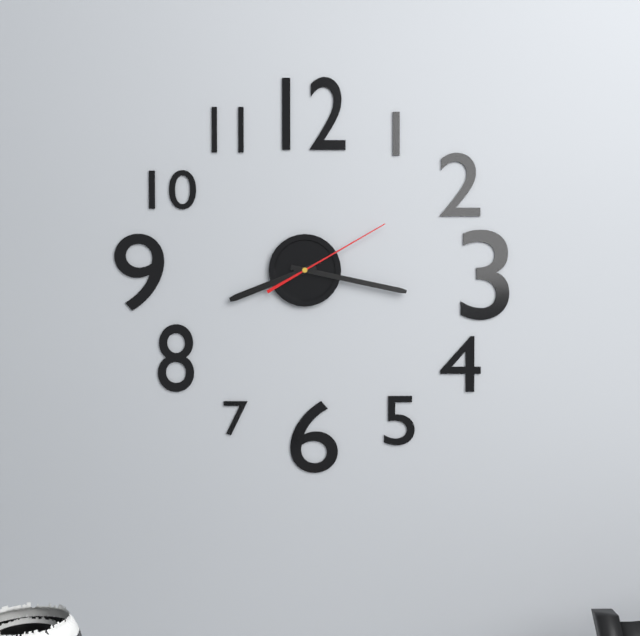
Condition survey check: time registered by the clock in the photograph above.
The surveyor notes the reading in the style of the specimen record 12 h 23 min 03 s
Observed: 8 h 17 min 10 s
